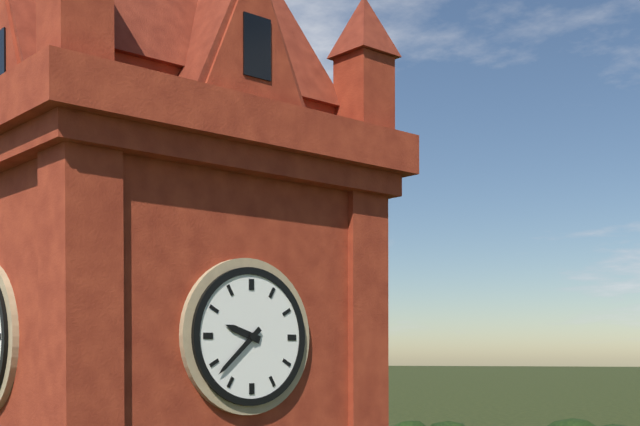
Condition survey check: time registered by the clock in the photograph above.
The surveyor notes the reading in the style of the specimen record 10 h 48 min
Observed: 9 h 38 min
